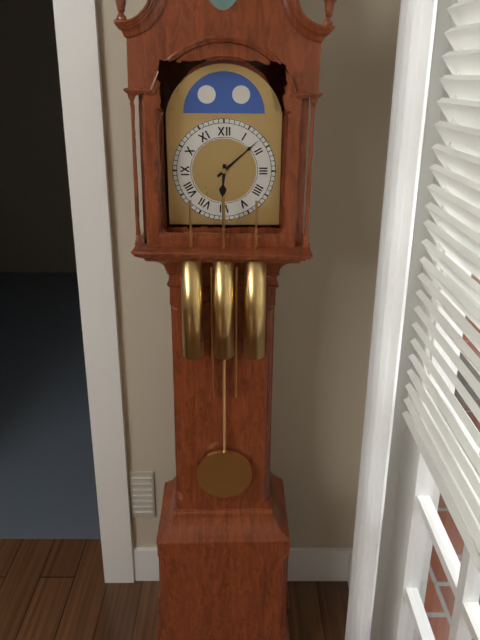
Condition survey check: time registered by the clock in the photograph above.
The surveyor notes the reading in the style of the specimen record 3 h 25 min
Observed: 6 h 08 min
